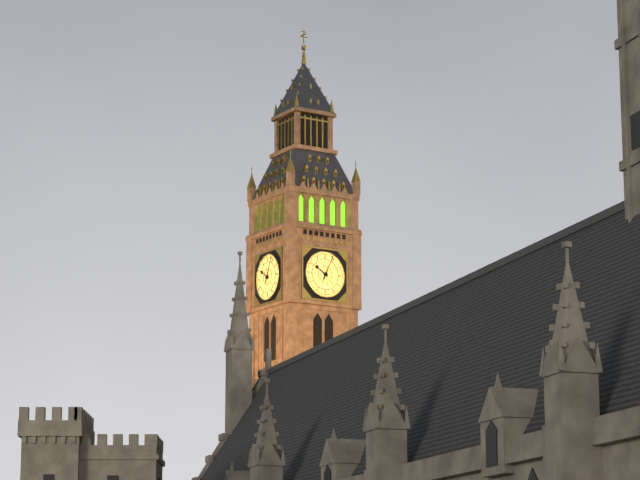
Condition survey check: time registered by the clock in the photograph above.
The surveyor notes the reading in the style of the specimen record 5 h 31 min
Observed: 10 h 04 min
